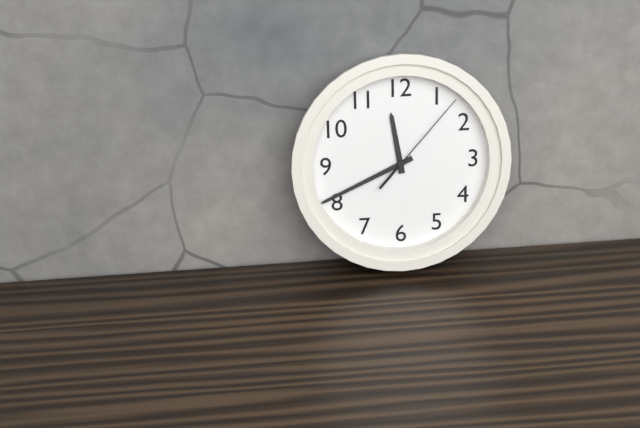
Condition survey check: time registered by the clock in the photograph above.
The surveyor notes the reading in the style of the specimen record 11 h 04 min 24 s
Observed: 11 h 41 min 07 s
